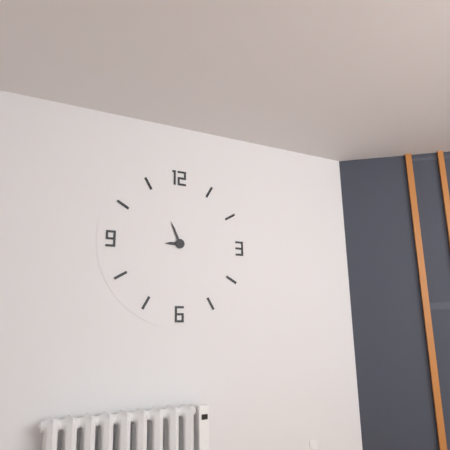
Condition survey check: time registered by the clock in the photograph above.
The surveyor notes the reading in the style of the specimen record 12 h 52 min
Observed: 8 h 56 min
